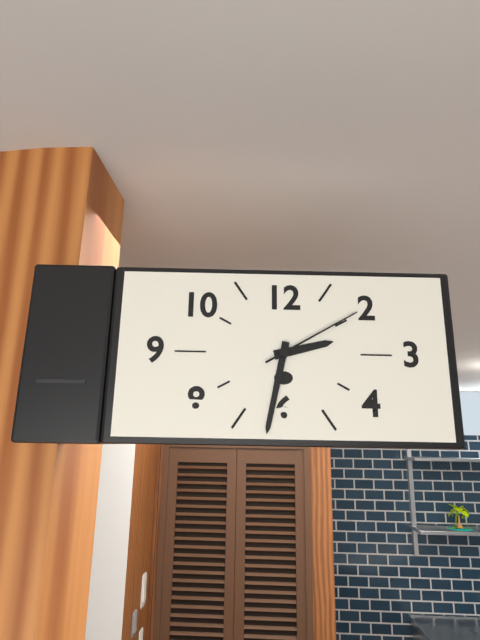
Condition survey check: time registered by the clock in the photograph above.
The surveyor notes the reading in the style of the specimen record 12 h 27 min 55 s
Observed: 2 h 32 min 10 s
